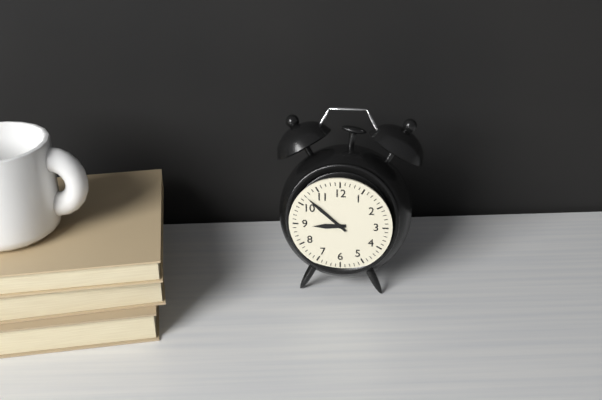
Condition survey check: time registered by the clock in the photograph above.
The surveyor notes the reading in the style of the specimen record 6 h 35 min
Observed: 8 h 52 min
